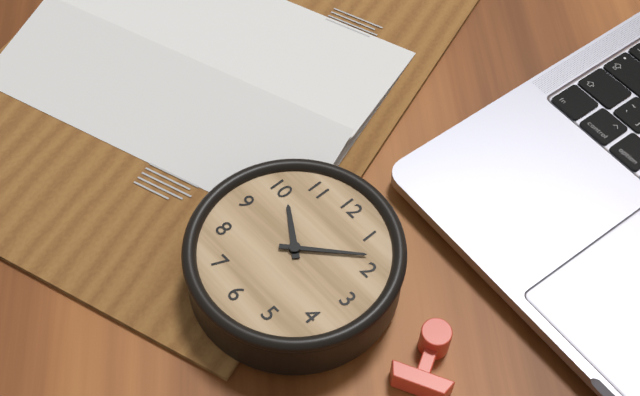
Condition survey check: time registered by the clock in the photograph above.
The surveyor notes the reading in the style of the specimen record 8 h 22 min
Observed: 10 h 08 min
